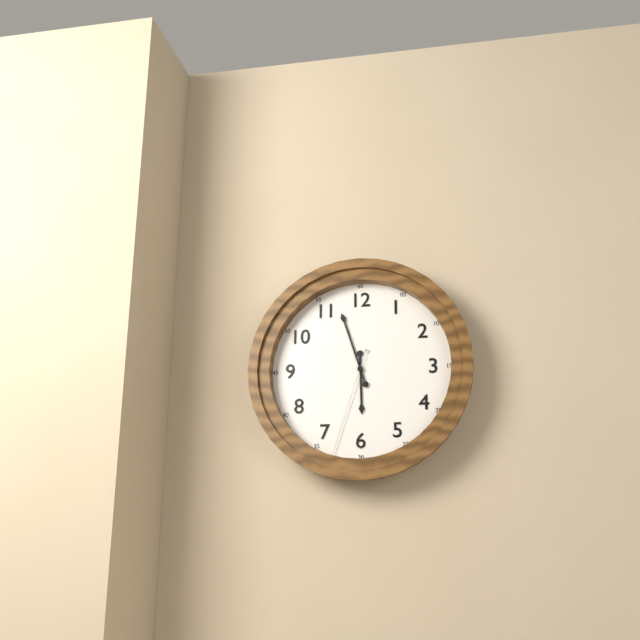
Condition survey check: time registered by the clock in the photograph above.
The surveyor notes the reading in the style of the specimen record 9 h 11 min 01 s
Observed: 5 h 57 min 33 s
